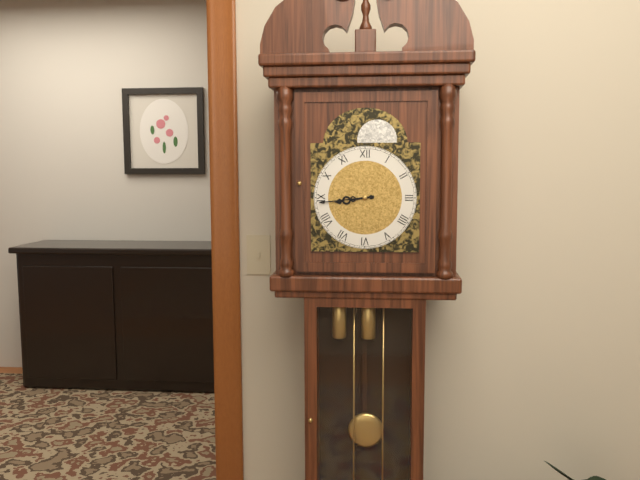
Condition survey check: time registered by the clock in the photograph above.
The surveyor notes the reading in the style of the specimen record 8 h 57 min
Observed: 8 h 44 min
